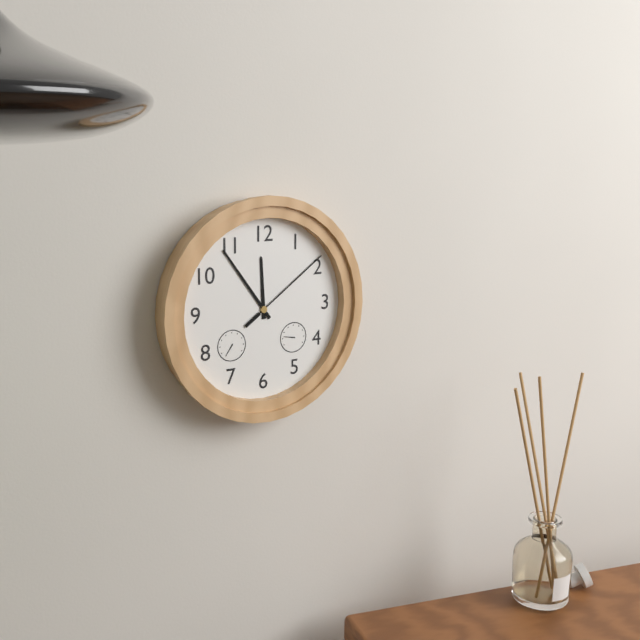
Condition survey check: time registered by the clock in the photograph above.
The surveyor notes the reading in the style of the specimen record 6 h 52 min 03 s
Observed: 11 h 54 min 09 s
